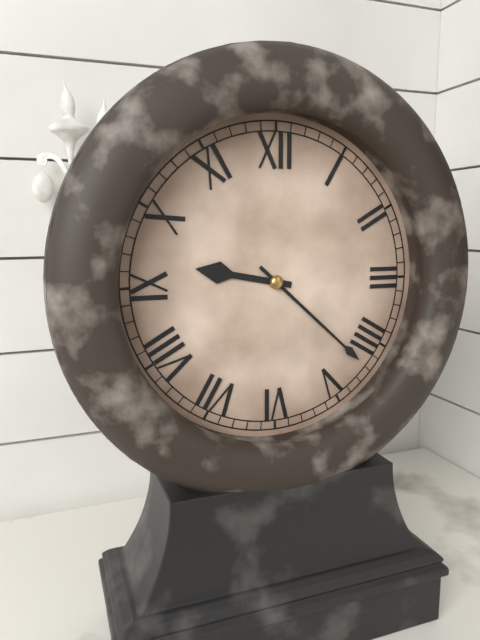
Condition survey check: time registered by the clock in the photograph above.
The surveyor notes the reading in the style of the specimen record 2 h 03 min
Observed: 9 h 22 min
